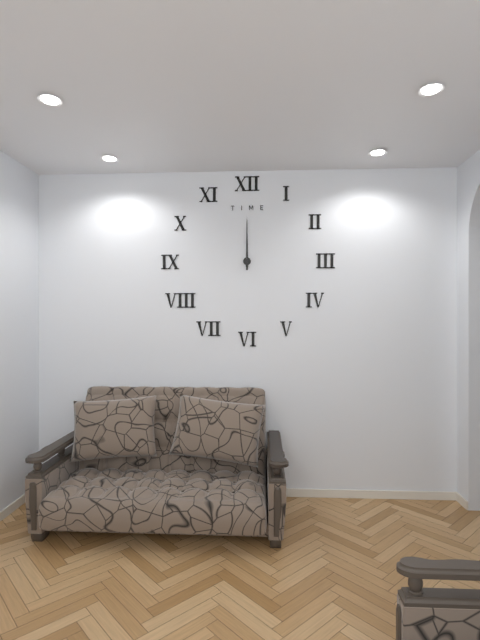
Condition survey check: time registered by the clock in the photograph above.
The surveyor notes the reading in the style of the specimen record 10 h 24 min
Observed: 12 h 00 min
